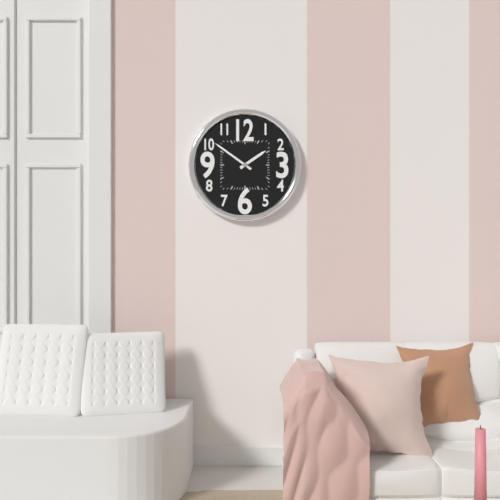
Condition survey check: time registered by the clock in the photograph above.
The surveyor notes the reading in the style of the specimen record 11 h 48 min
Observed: 1 h 51 min
